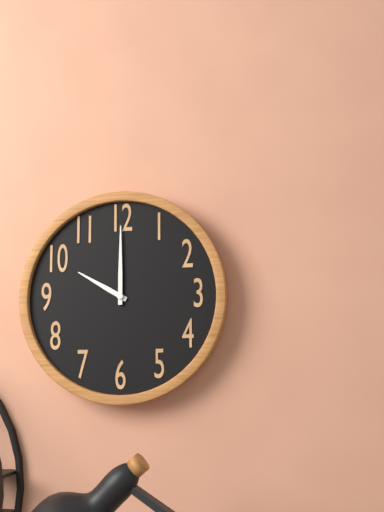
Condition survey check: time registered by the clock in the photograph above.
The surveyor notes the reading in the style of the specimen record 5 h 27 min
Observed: 10 h 00 min
